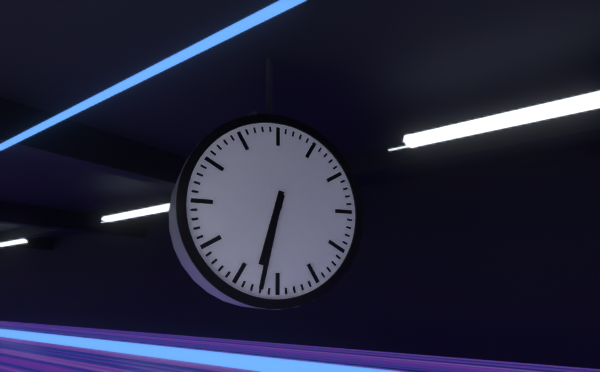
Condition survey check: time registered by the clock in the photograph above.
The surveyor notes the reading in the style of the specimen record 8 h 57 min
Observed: 6 h 32 min
